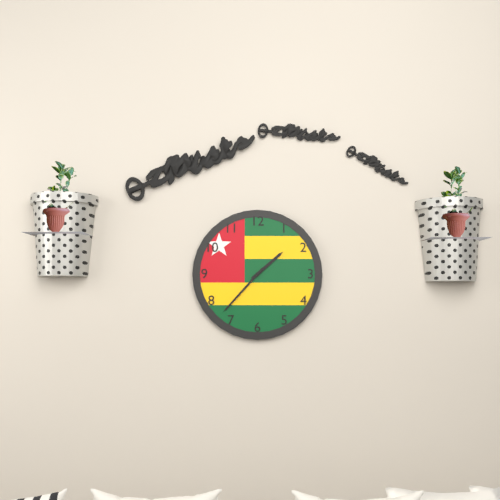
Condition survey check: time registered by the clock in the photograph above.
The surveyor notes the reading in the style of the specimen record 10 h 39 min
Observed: 1 h 37 min
